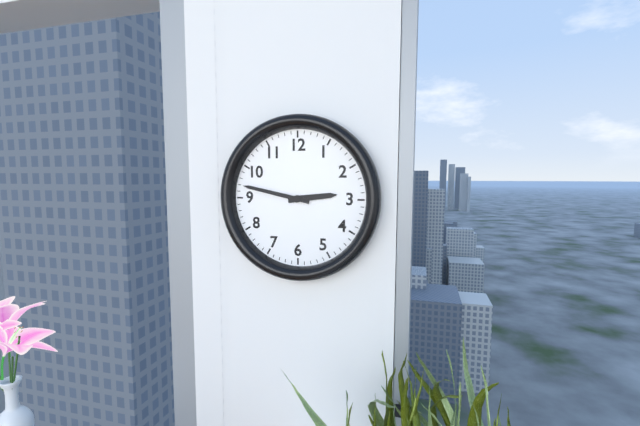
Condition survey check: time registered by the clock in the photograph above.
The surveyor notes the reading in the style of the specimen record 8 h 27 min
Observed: 2 h 47 min
